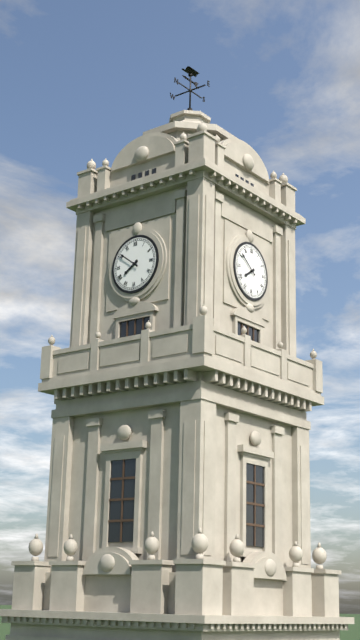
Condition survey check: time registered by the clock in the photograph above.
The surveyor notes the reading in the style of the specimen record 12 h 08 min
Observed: 7 h 51 min
